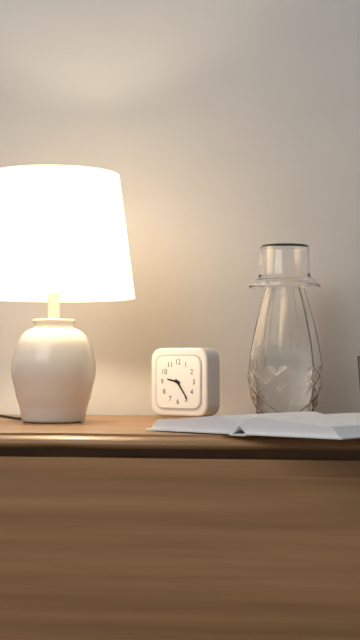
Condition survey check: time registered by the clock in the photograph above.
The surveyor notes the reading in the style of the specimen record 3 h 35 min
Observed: 9 h 24 min
